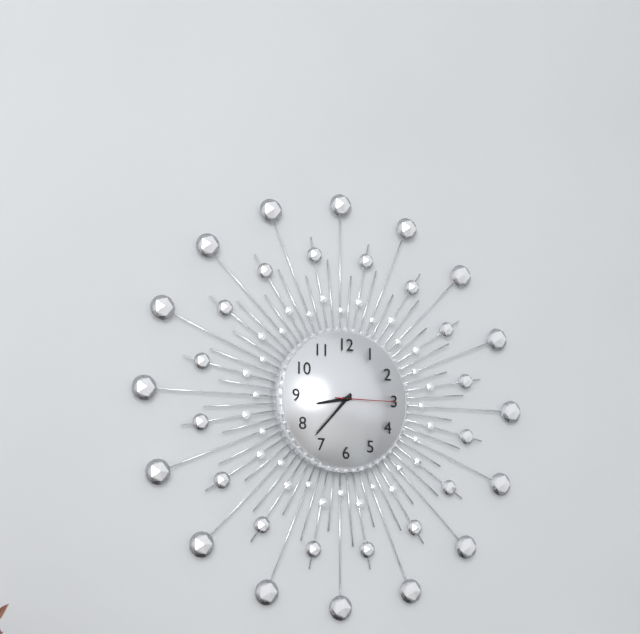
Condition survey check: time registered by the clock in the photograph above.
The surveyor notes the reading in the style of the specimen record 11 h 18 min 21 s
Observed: 8 h 37 min 15 s
